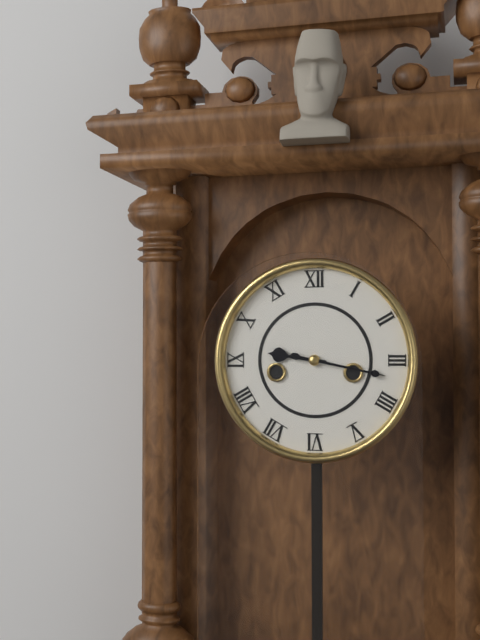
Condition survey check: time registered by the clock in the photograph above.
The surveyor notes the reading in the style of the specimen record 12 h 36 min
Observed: 9 h 17 min
